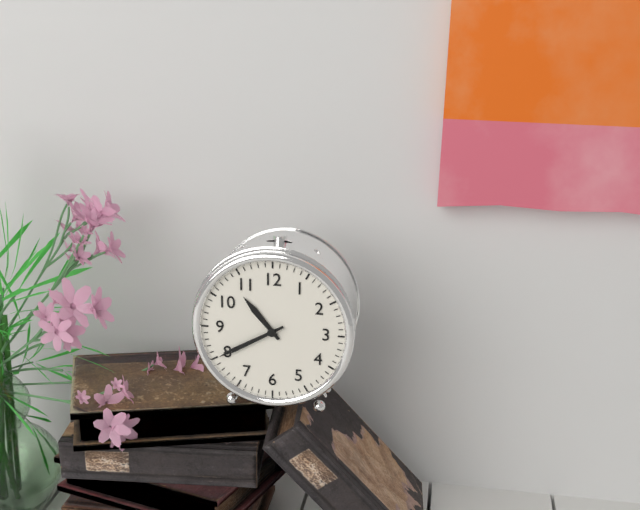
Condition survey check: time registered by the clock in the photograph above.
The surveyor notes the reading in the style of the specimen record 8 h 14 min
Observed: 10 h 40 min
